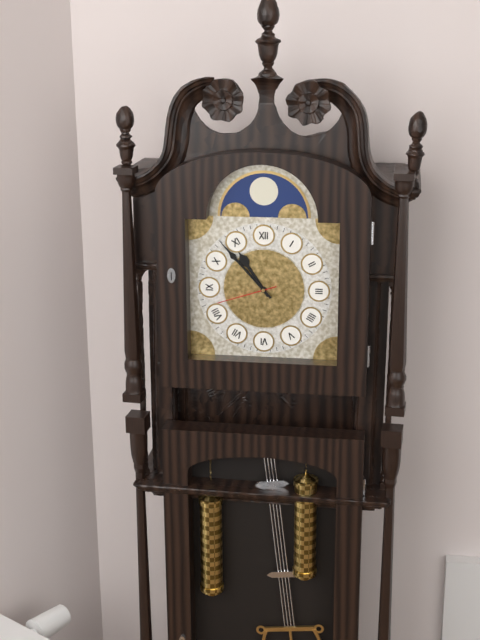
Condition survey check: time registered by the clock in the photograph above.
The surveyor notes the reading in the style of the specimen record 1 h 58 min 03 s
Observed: 10 h 53 min 42 s
